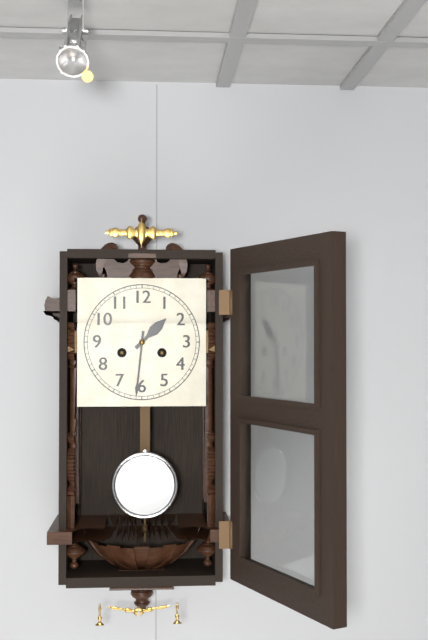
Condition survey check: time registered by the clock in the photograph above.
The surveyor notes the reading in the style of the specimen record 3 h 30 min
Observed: 1 h 31 min
